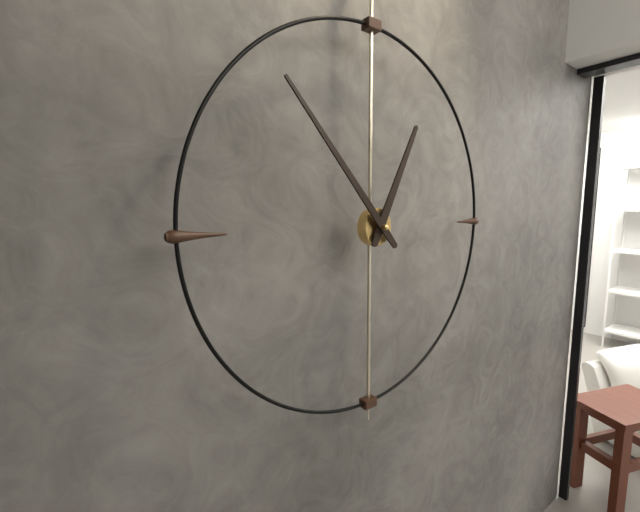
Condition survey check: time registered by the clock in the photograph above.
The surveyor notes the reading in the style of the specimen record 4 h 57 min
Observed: 12 h 53 min
